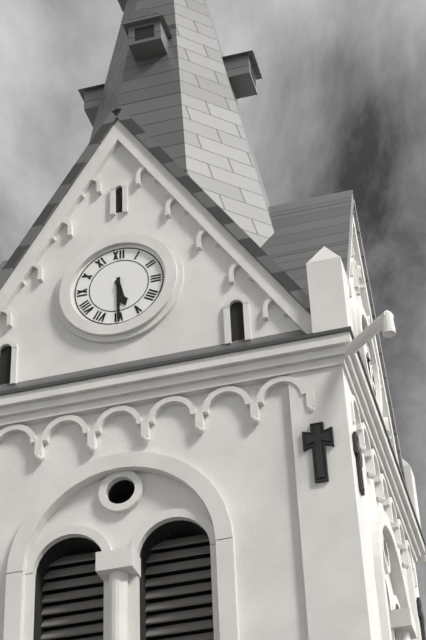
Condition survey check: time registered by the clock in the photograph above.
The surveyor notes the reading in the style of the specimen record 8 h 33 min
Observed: 5 h 30 min
